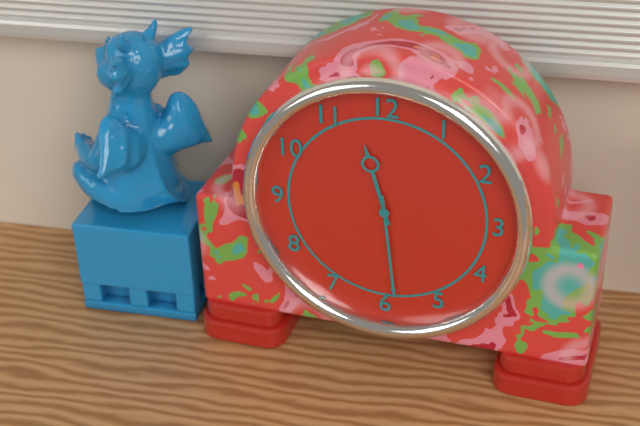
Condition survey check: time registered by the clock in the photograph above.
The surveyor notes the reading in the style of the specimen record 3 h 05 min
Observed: 11 h 29 min
